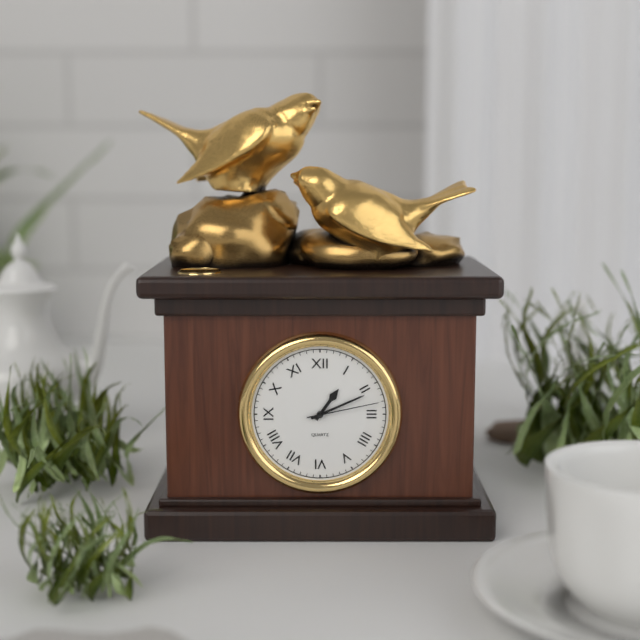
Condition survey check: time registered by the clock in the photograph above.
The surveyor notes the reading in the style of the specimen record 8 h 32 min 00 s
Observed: 1 h 11 min 13 s
